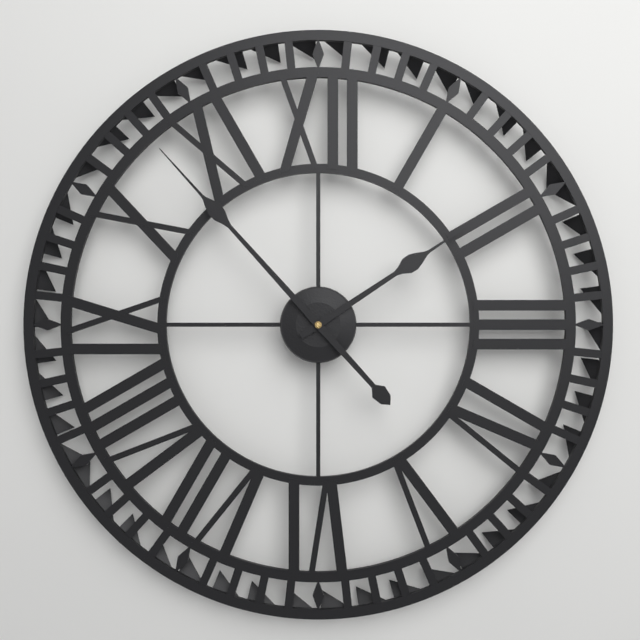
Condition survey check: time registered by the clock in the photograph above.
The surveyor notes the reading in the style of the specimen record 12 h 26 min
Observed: 1 h 53 min
